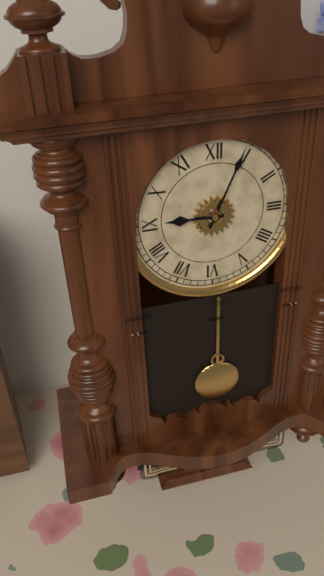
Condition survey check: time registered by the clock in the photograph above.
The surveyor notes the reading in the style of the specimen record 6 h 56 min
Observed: 9 h 04 min
